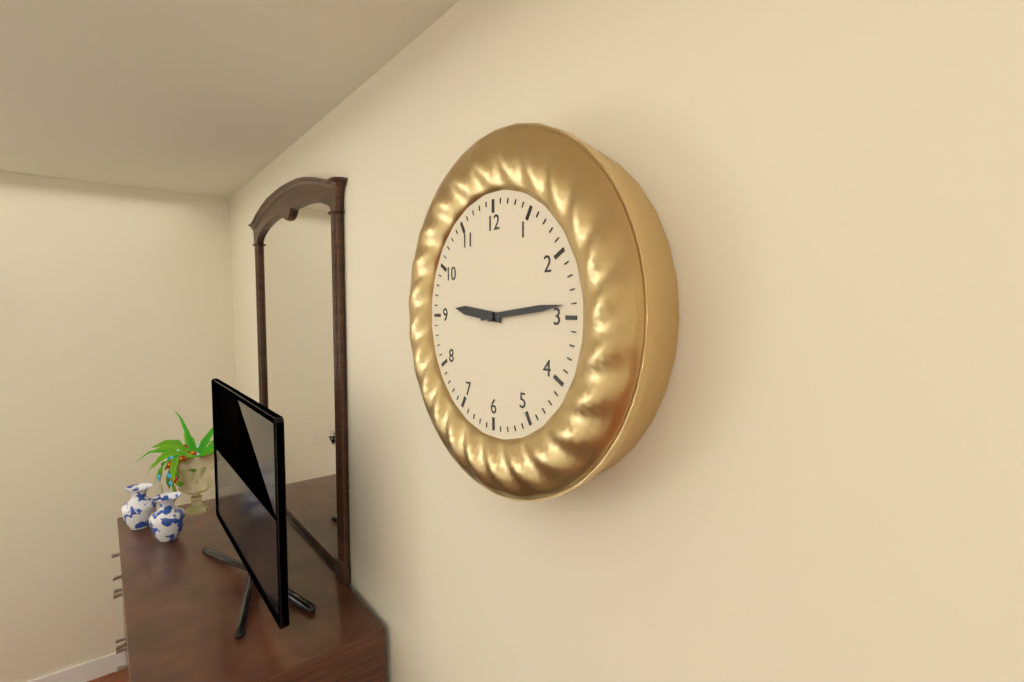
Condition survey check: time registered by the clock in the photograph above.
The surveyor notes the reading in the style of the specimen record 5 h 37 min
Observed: 9 h 14 min
